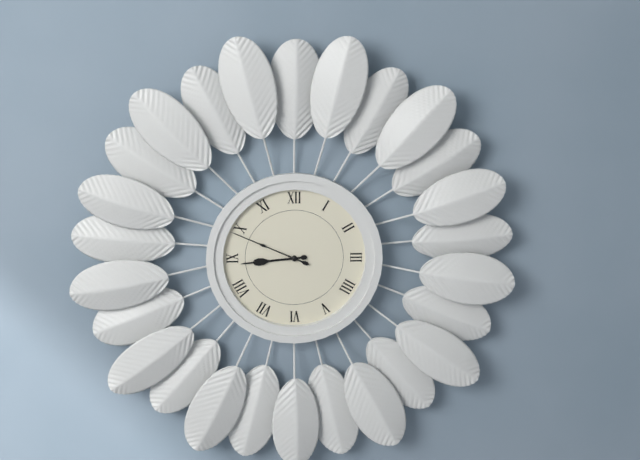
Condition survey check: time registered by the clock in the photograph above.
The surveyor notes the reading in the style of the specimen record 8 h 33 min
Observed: 8 h 49 min
